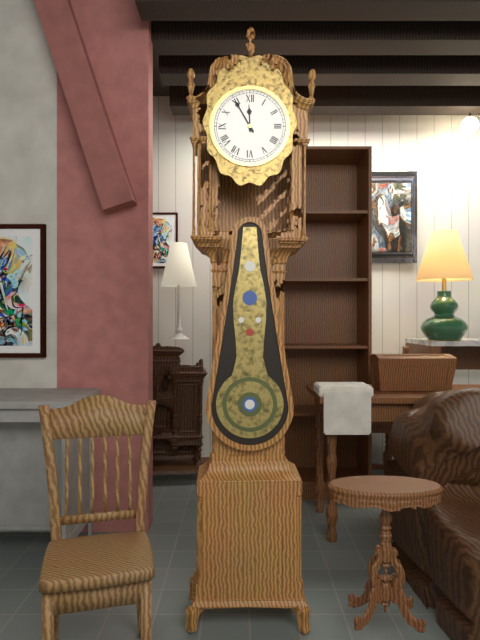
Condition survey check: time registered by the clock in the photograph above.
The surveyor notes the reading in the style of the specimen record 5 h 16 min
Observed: 11 h 55 min
